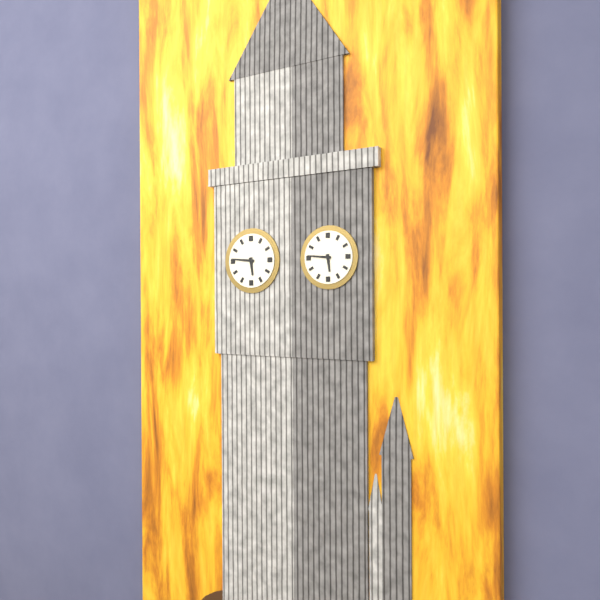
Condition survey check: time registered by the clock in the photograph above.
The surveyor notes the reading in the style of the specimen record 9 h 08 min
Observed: 5 h 46 min
